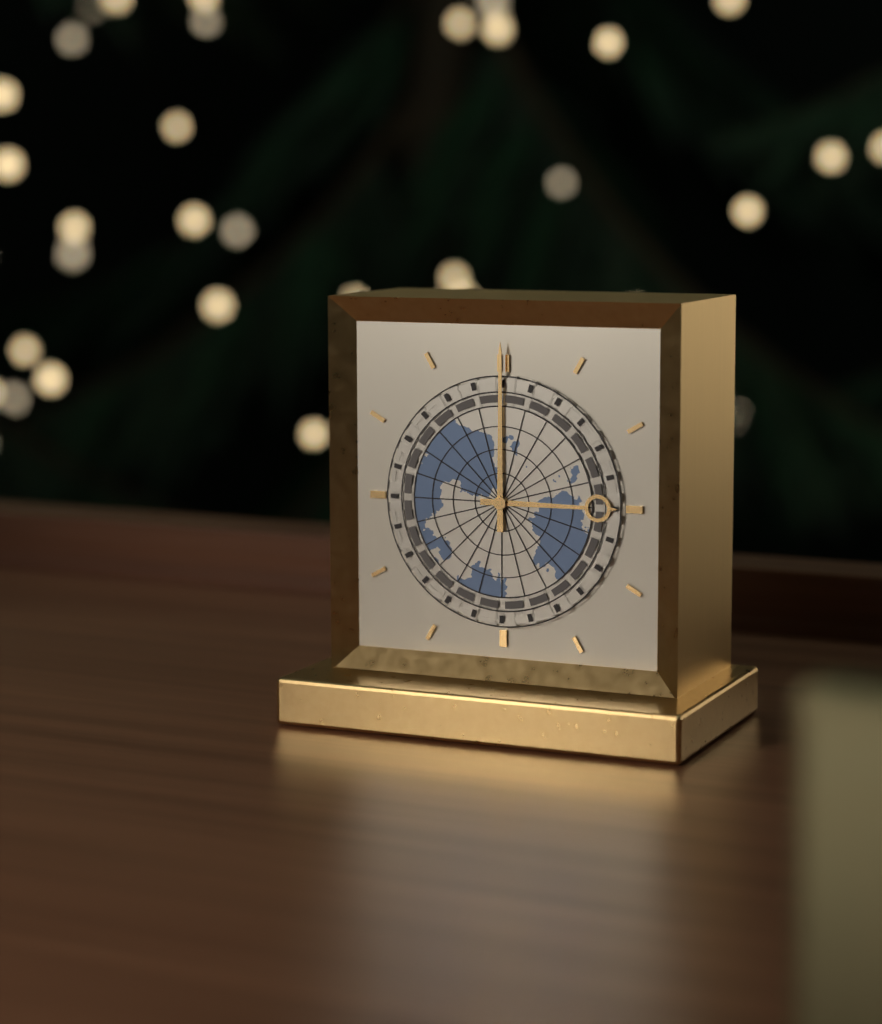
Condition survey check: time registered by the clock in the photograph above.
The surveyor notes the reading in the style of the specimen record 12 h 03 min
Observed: 3 h 00 min
